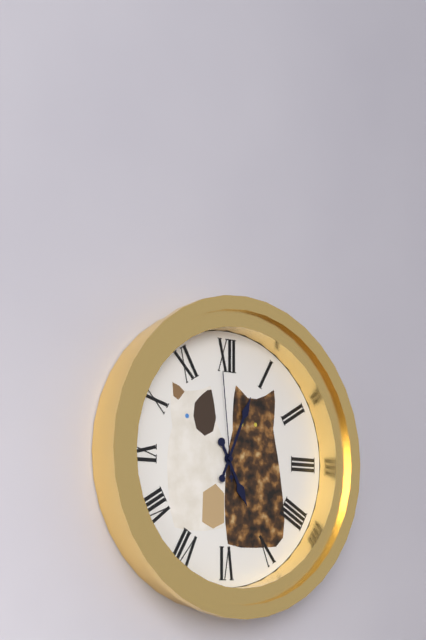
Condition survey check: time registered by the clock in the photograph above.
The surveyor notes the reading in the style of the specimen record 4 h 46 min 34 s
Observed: 5 h 04 min 59 s
